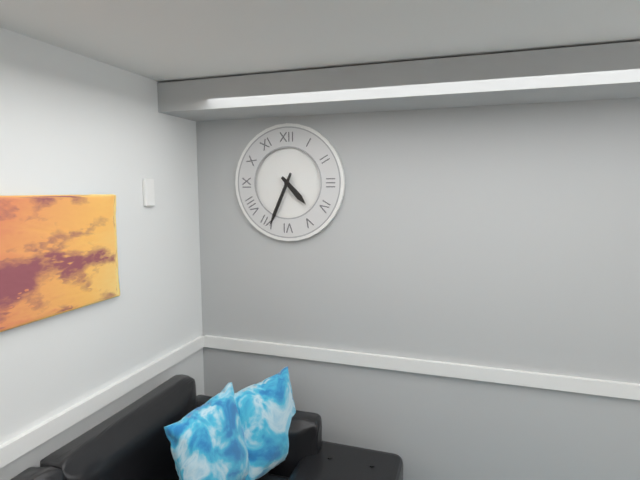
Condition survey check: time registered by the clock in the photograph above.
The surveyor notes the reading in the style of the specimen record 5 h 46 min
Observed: 4 h 34 min
